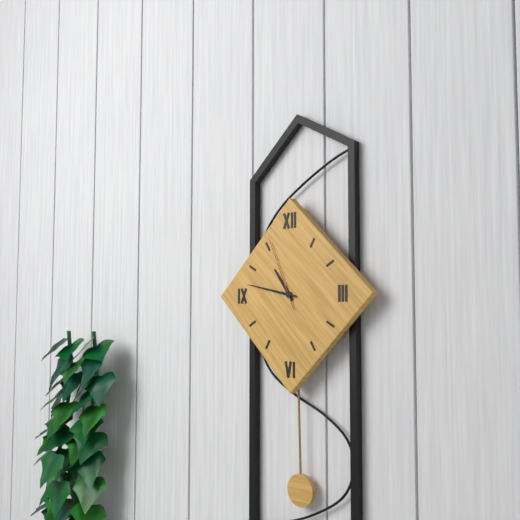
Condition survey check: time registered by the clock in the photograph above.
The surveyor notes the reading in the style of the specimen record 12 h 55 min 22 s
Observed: 10 h 47 min 56 s
